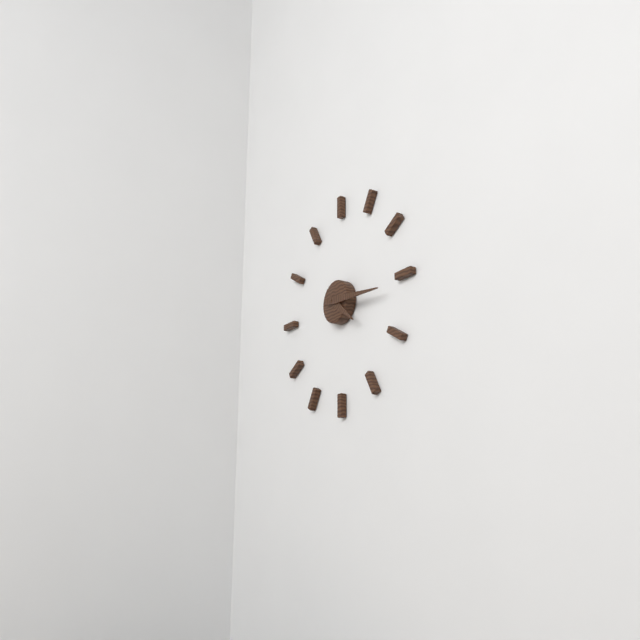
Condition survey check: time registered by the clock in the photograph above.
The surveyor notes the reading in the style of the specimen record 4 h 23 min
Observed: 4 h 16 min
